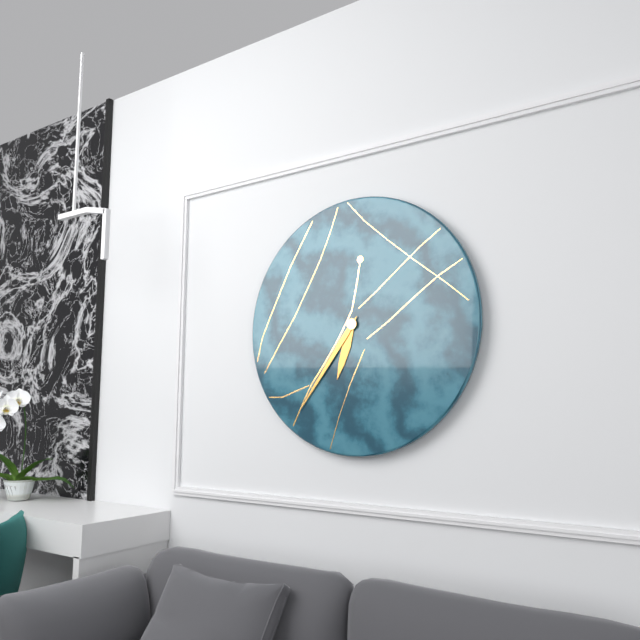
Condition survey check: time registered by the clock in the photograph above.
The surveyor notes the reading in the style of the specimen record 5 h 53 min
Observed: 6 h 36 min
